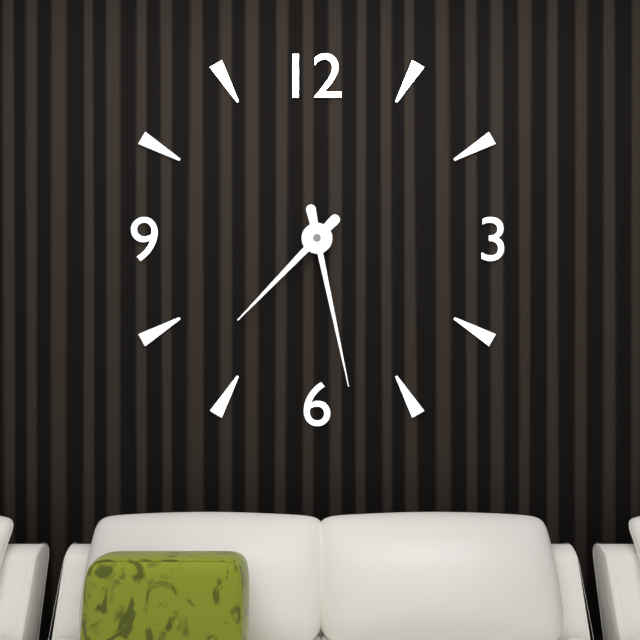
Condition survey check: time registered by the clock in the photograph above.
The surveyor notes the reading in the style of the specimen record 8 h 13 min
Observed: 7 h 28 min
